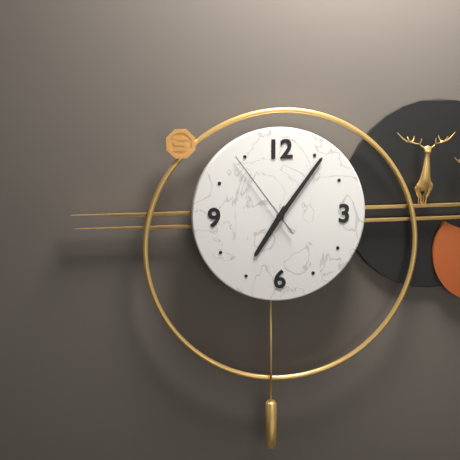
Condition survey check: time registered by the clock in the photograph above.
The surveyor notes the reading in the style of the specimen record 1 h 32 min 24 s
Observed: 7 h 06 min 54 s
